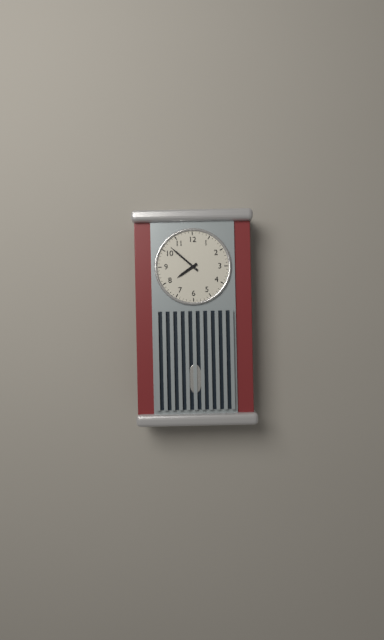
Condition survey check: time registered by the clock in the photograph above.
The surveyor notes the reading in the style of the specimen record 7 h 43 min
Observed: 7 h 52 min
